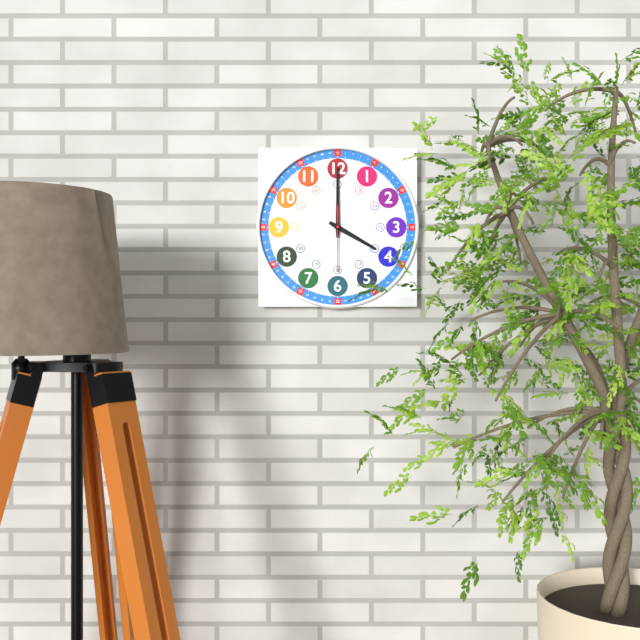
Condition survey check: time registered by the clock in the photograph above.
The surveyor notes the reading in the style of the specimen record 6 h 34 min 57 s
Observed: 4 h 00 min 30 s
